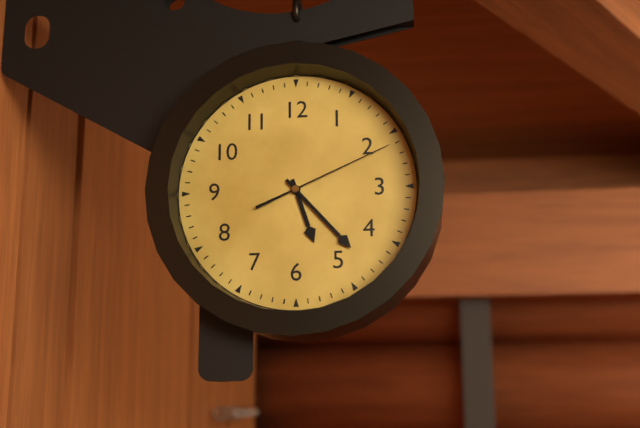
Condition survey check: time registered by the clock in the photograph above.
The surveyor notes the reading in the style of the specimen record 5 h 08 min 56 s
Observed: 5 h 23 min 11 s
